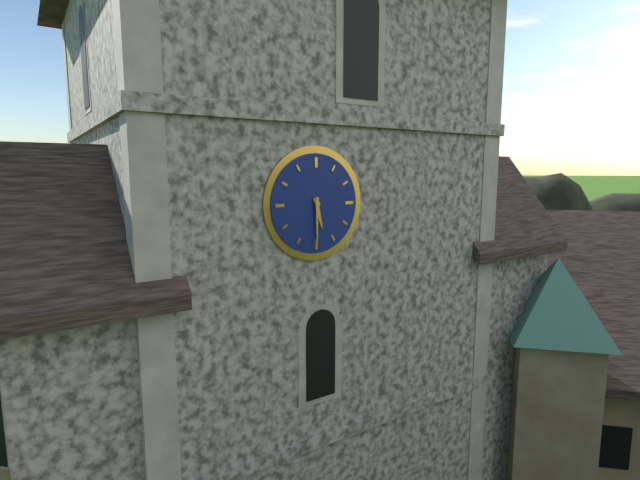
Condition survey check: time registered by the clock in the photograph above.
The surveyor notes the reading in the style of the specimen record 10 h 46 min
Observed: 5 h 30 min
